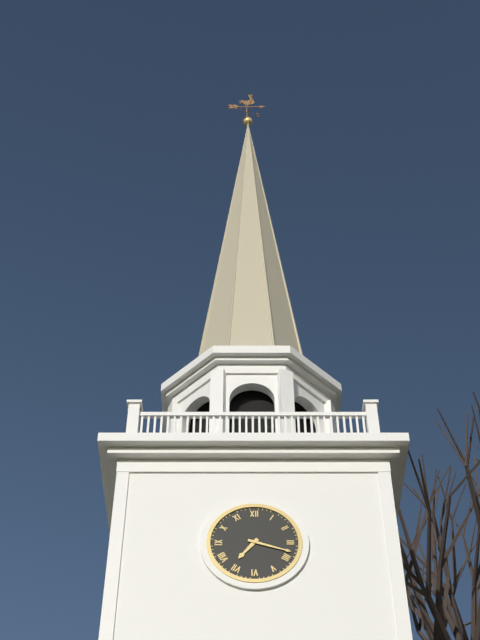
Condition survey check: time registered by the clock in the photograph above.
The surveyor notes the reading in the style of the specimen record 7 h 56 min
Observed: 7 h 18 min
